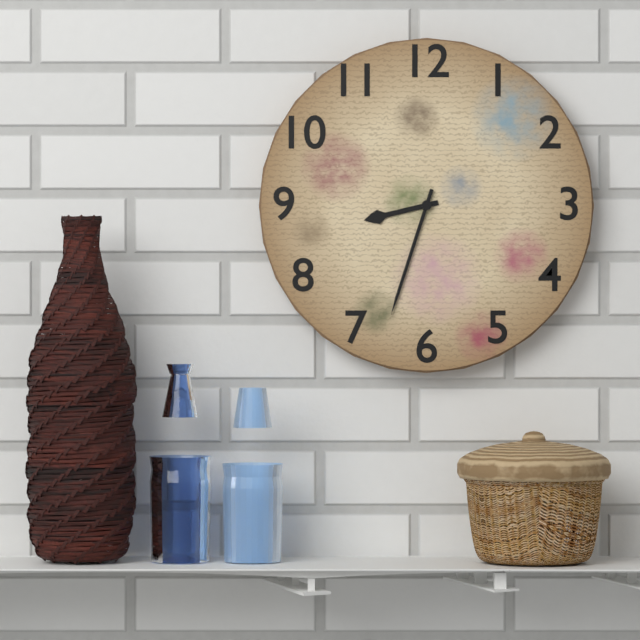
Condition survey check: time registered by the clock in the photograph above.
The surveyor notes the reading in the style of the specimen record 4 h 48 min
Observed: 8 h 33 min
